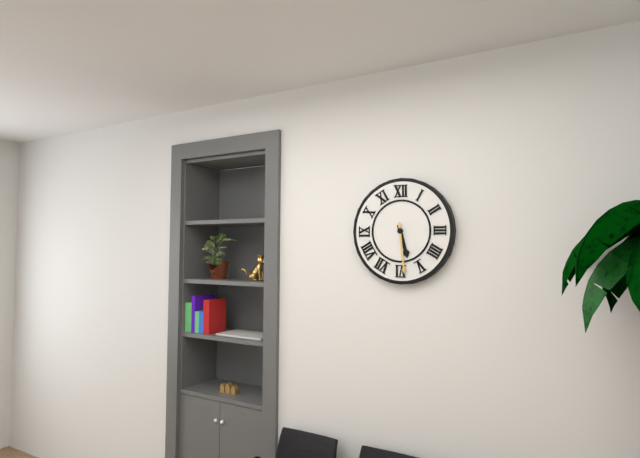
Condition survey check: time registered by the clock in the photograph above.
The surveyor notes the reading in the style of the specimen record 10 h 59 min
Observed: 5 h 29 min
